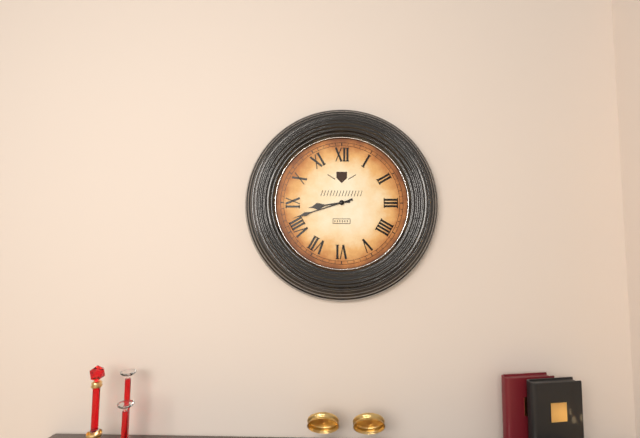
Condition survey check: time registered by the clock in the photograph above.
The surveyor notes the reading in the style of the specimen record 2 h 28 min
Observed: 8 h 42 min
